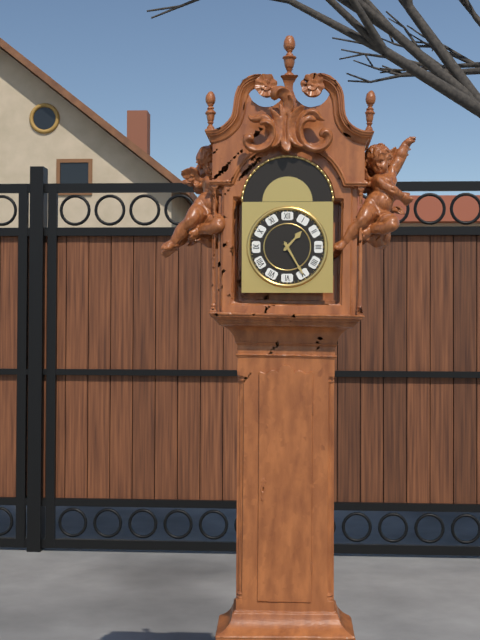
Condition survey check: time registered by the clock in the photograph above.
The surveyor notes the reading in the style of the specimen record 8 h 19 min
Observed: 1 h 25 min
